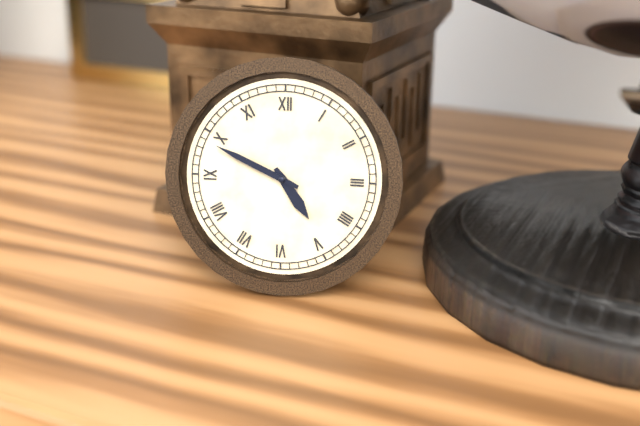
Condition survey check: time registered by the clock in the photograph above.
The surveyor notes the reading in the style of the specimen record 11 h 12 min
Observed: 4 h 49 min
